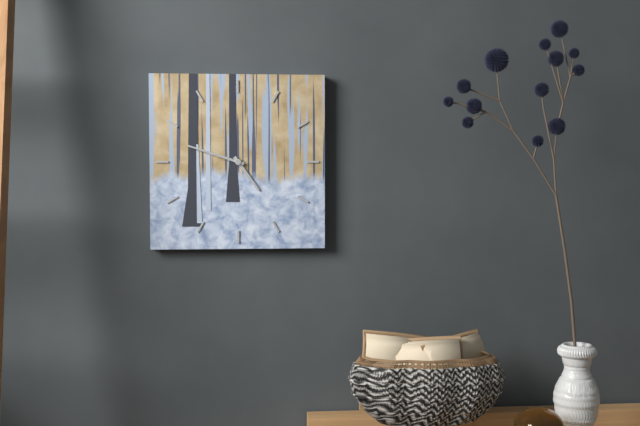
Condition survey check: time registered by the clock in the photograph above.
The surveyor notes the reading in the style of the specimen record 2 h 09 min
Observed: 4 h 48 min
